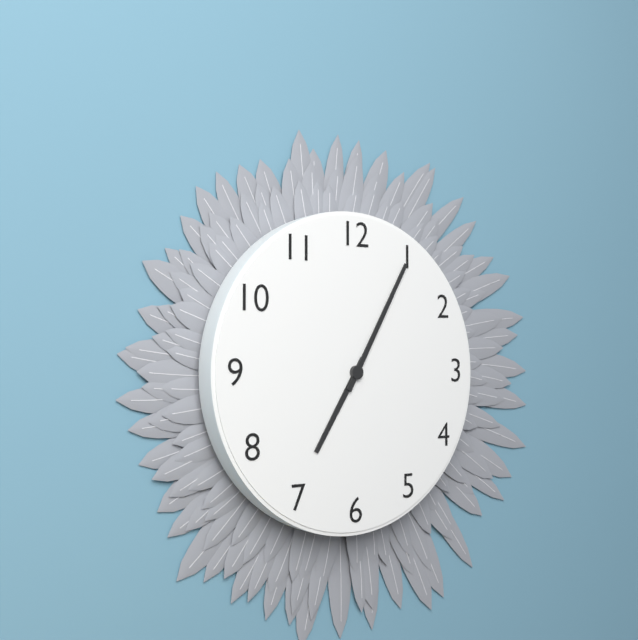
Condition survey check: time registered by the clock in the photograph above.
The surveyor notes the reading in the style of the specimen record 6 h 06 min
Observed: 7 h 05 min
